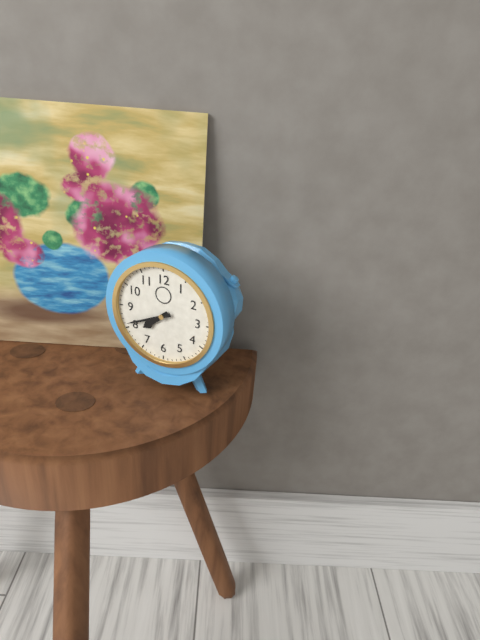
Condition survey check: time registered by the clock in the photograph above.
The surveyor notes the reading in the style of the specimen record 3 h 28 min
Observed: 7 h 41 min
